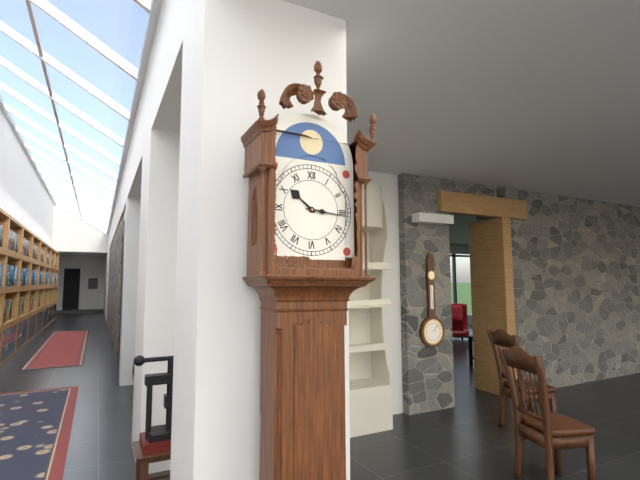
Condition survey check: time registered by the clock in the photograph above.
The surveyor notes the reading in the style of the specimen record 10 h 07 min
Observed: 10 h 16 min
